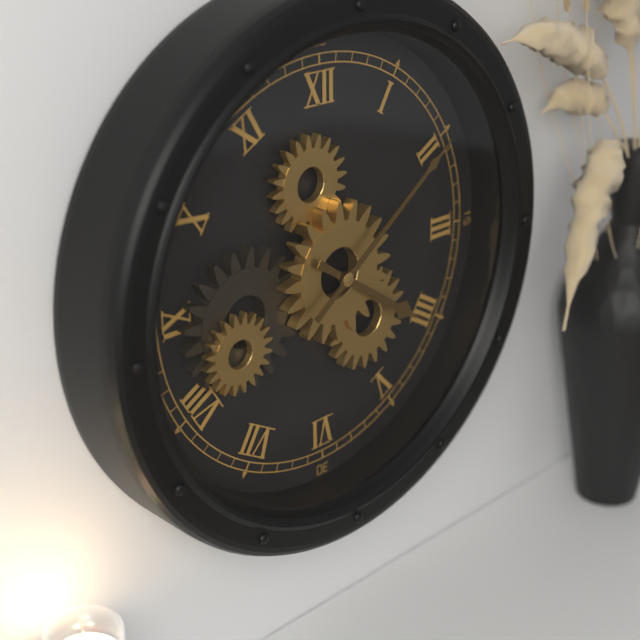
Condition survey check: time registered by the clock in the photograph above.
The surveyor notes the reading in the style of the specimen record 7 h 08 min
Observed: 4 h 09 min
